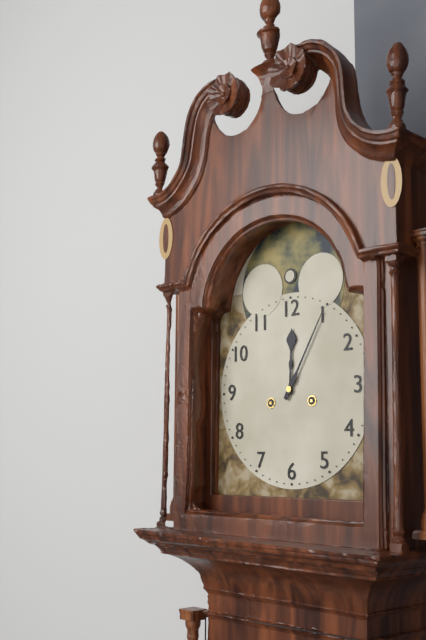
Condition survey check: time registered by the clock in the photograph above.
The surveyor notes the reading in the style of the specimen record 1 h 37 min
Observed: 12 h 05 min
